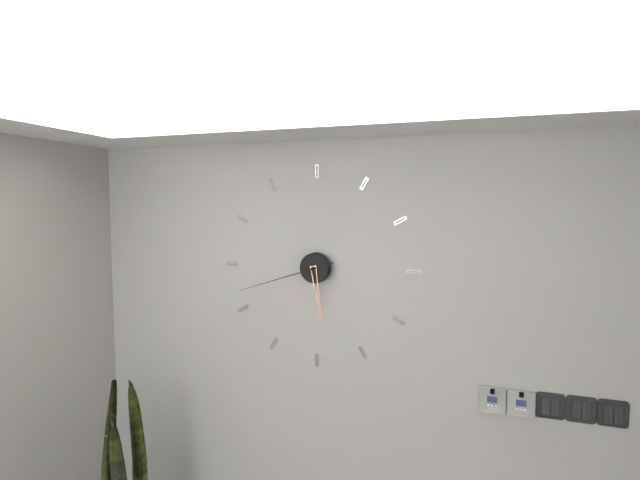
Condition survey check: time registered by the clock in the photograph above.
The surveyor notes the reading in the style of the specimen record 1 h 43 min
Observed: 5 h 42 min
